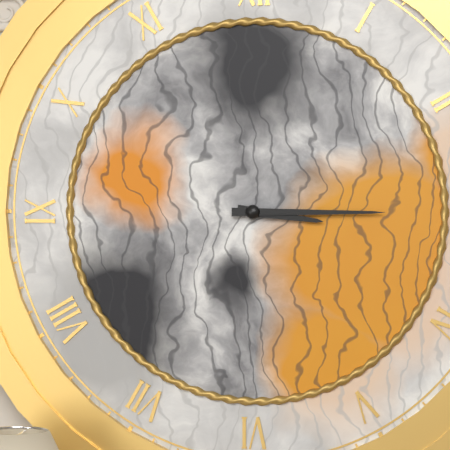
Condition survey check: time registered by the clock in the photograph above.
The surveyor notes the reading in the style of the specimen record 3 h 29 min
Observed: 3 h 15 min
